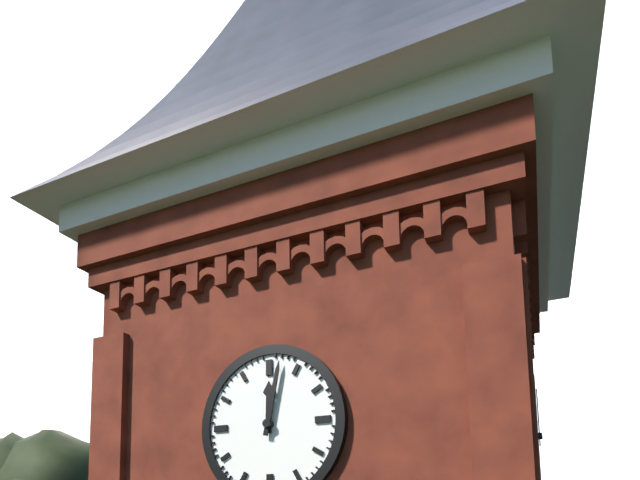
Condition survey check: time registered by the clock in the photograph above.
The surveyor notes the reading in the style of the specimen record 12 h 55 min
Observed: 12 h 02 min
